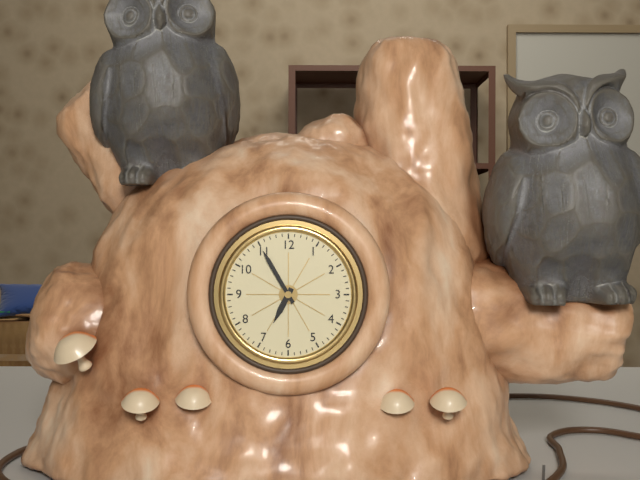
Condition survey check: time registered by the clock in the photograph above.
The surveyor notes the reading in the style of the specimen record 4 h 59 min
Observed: 6 h 55 min
